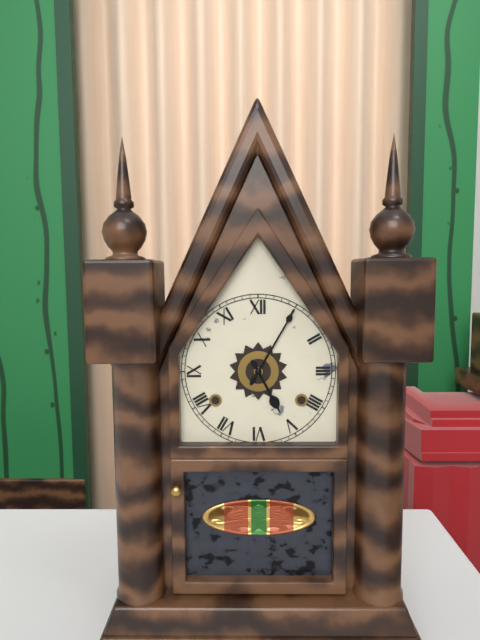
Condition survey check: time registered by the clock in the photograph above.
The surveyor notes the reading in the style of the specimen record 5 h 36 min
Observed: 5 h 05 min
